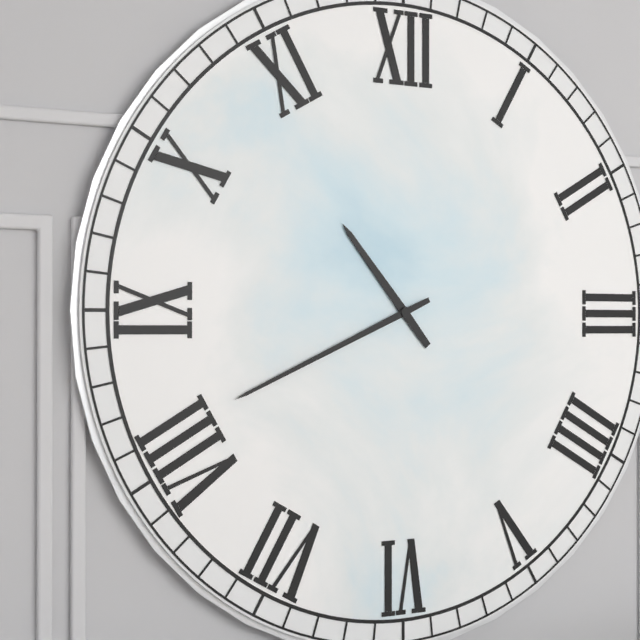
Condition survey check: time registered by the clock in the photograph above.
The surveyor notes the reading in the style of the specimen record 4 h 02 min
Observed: 10 h 41 min
